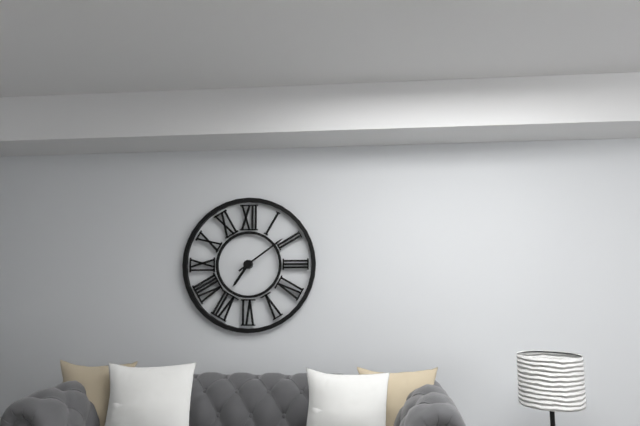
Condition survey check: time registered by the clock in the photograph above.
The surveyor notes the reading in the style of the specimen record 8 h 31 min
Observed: 7 h 09 min
